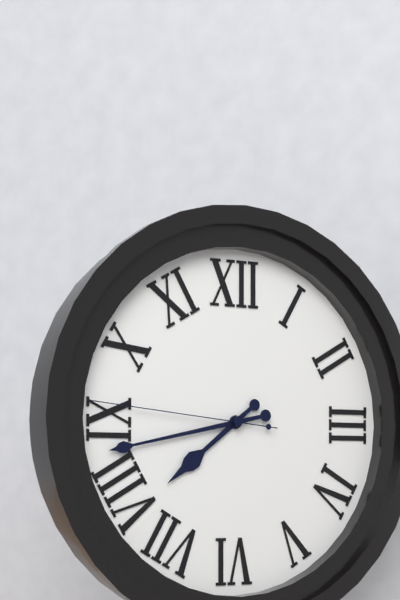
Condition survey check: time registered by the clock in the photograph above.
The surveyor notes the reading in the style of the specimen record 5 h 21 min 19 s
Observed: 7 h 43 min 46 s
